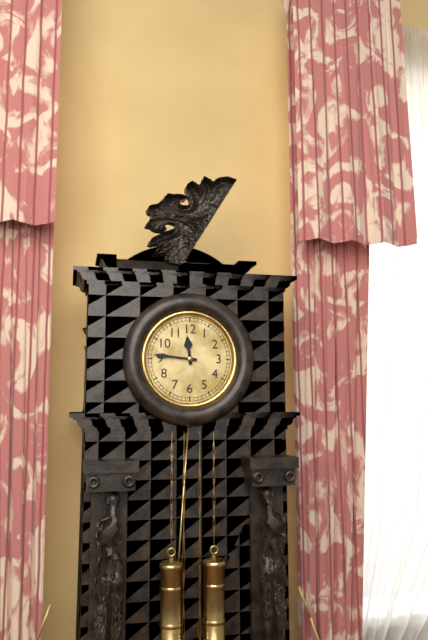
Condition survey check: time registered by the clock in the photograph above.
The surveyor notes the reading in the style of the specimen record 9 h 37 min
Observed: 11 h 46 min
